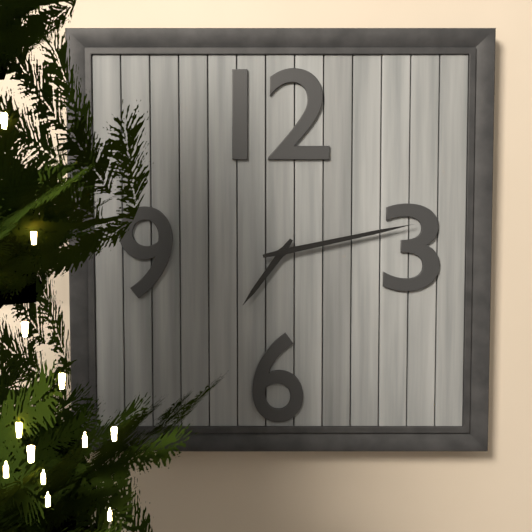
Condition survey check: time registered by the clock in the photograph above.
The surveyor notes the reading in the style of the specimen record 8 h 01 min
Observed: 7 h 13 min
